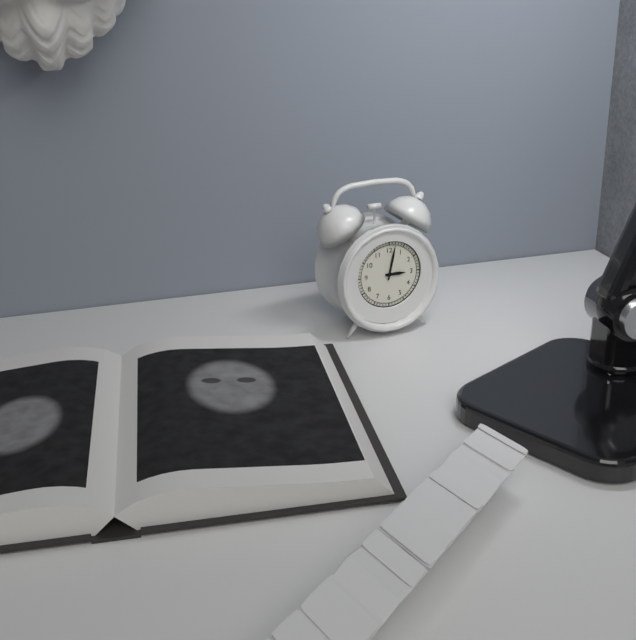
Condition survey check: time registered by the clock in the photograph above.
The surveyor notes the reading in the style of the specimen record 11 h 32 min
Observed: 3 h 02 min
